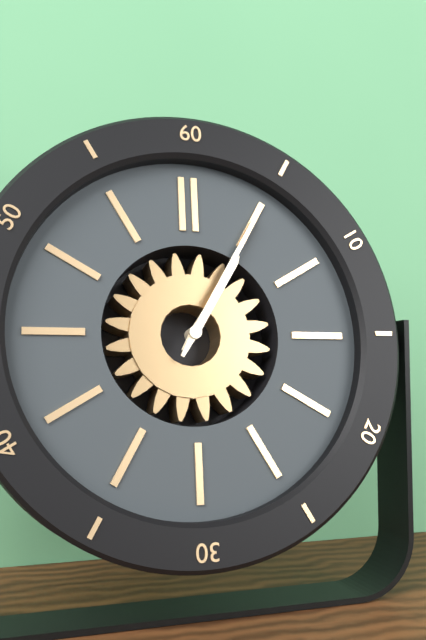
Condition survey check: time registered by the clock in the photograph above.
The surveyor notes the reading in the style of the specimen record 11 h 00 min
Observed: 1 h 05 min
